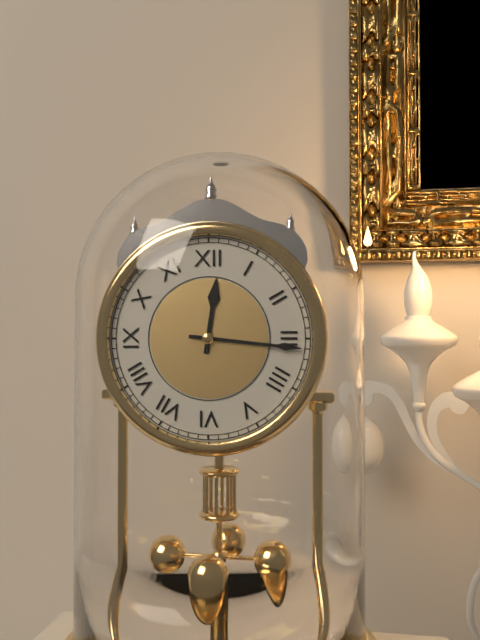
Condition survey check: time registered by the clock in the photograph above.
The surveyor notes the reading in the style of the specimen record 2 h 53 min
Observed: 12 h 16 min
